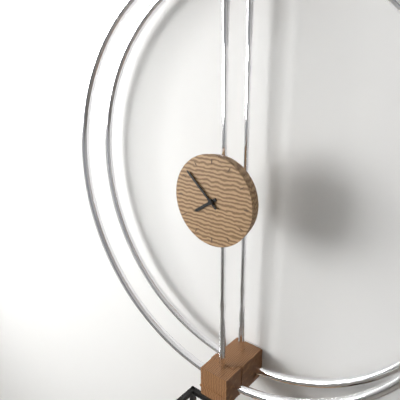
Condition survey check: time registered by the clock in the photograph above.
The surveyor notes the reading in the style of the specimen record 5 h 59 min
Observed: 7 h 52 min
